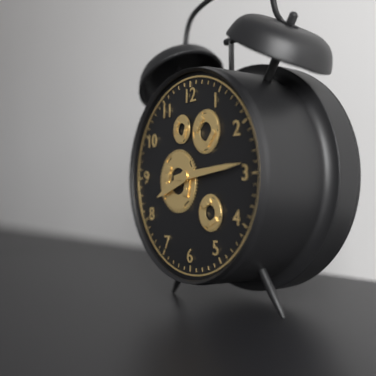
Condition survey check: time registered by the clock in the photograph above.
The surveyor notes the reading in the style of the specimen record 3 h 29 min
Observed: 8 h 14 min
